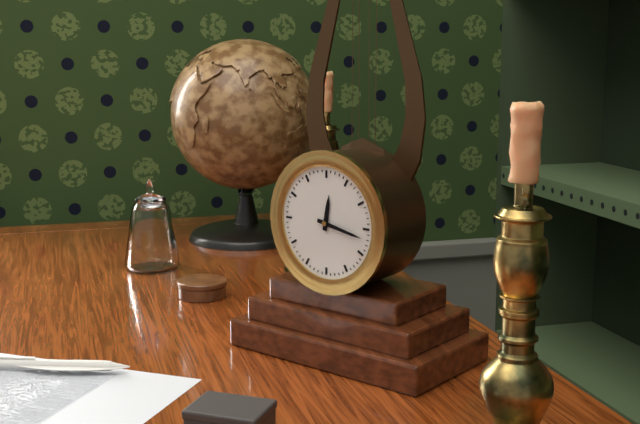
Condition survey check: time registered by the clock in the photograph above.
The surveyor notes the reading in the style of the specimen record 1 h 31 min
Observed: 12 h 17 min
